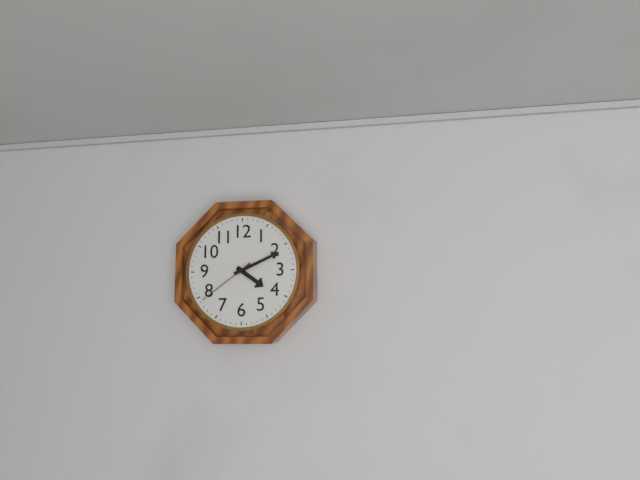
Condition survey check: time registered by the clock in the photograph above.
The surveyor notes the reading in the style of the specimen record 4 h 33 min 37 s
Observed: 4 h 11 min 39 s
